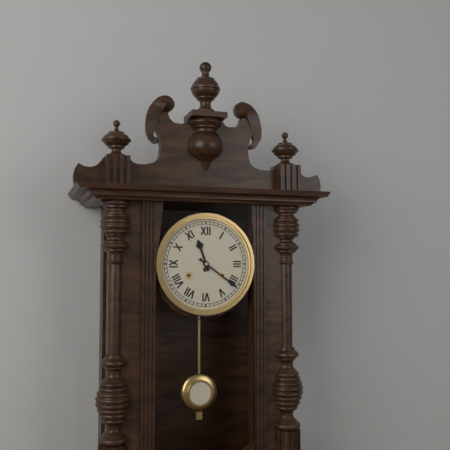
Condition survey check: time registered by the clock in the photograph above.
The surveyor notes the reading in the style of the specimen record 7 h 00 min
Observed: 11 h 21 min
